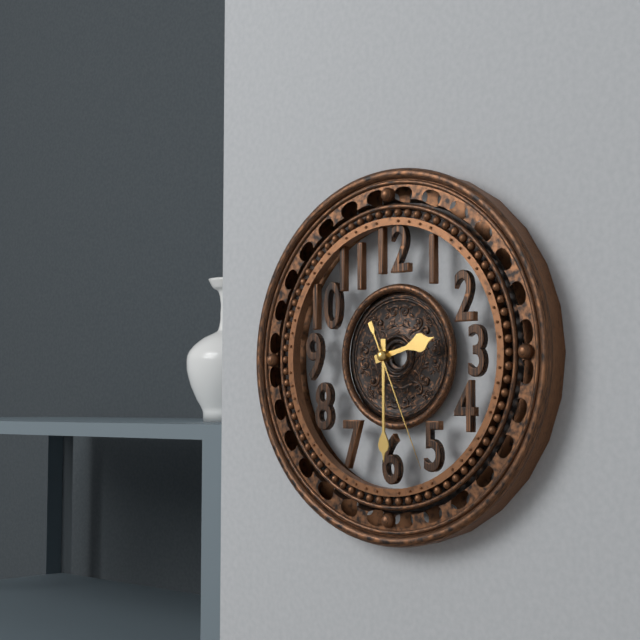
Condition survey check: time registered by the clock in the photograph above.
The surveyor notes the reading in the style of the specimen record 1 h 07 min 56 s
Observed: 2 h 30 min 26 s
